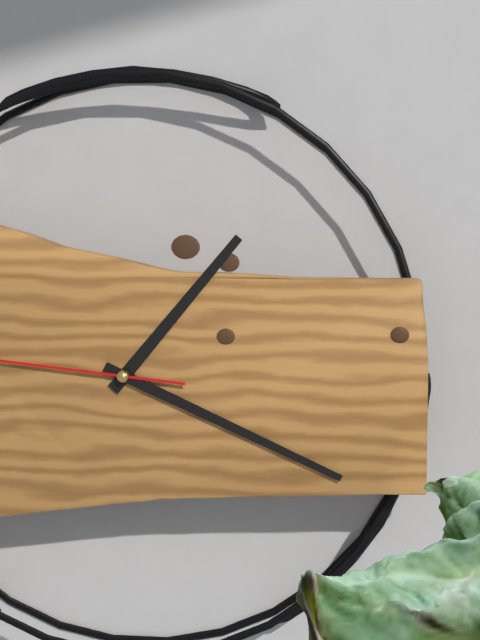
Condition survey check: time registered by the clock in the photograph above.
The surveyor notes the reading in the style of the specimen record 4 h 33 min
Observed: 1 h 19 min
